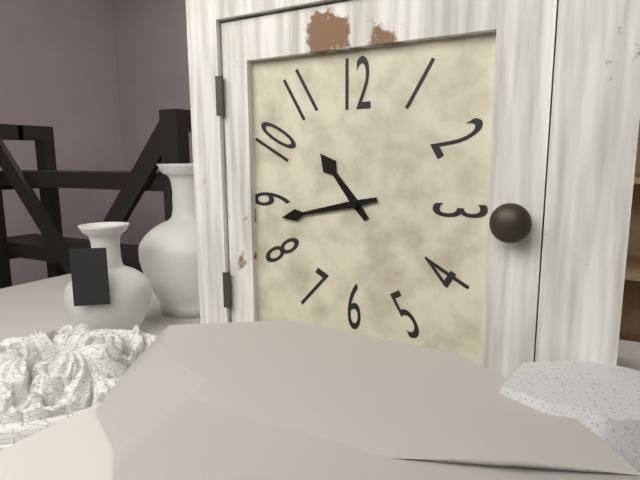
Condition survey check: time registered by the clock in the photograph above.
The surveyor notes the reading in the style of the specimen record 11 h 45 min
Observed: 10 h 43 min
